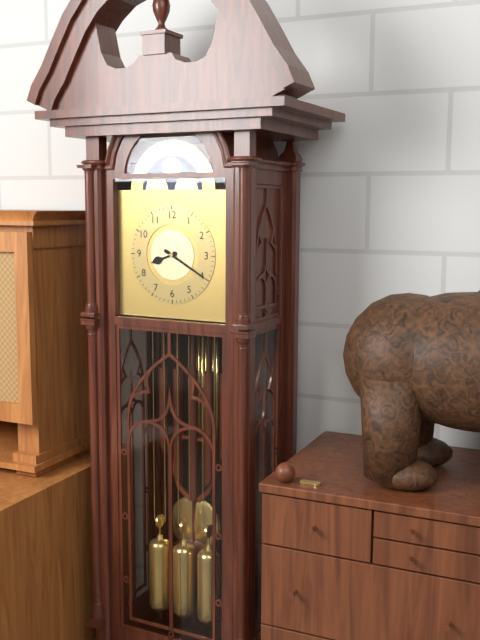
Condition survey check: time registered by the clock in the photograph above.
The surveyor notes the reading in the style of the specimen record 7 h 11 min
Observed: 8 h 20 min
